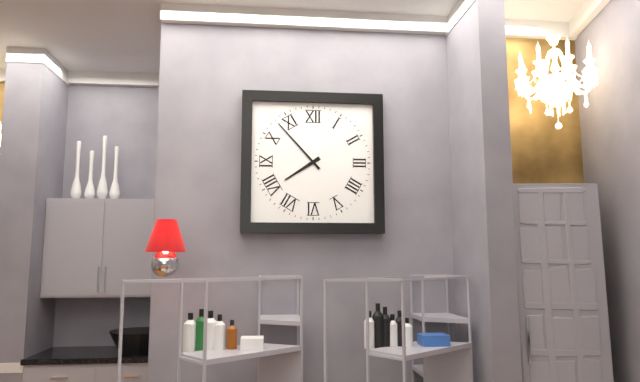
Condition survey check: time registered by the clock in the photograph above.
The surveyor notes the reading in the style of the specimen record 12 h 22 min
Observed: 7 h 53 min
